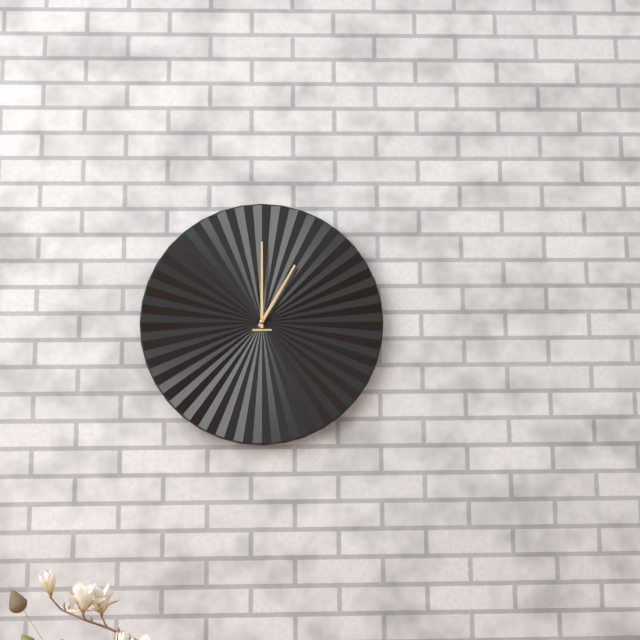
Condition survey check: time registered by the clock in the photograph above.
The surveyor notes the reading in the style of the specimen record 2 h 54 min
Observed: 1 h 00 min
